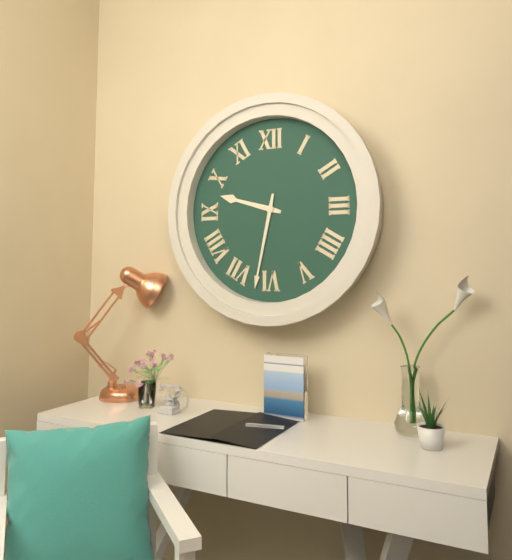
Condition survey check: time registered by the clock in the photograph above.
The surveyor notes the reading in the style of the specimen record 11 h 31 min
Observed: 9 h 32 min
